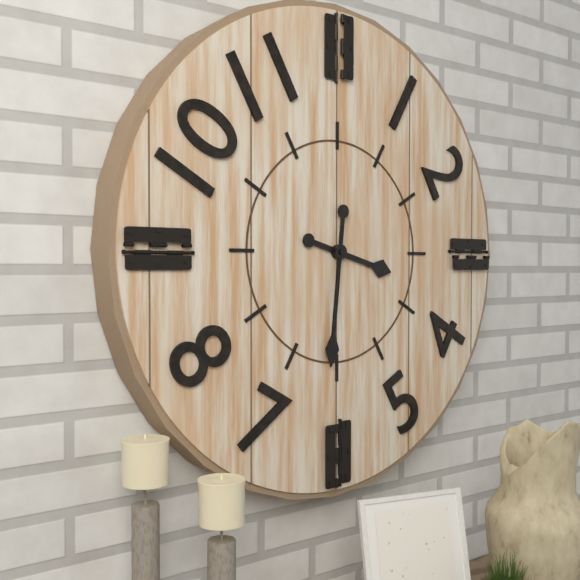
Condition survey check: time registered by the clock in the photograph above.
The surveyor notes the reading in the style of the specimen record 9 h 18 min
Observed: 3 h 31 min
